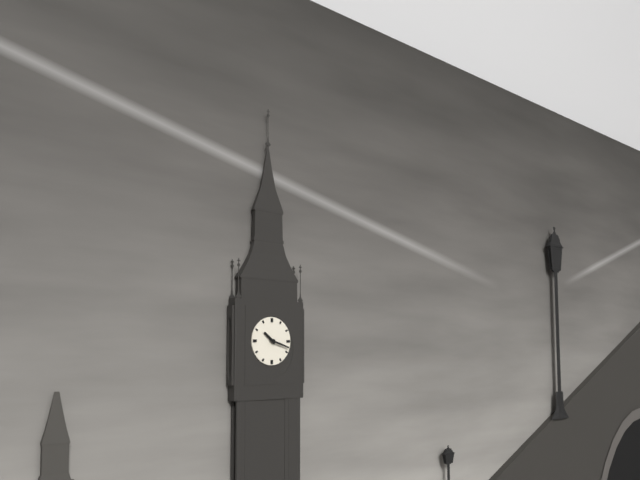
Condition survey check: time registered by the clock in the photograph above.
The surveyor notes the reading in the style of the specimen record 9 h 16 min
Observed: 10 h 18 min
